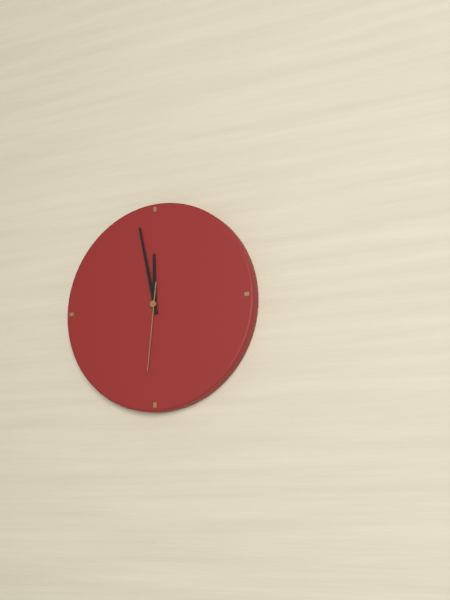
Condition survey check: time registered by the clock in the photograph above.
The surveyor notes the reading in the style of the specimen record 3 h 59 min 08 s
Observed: 11 h 58 min 31 s
